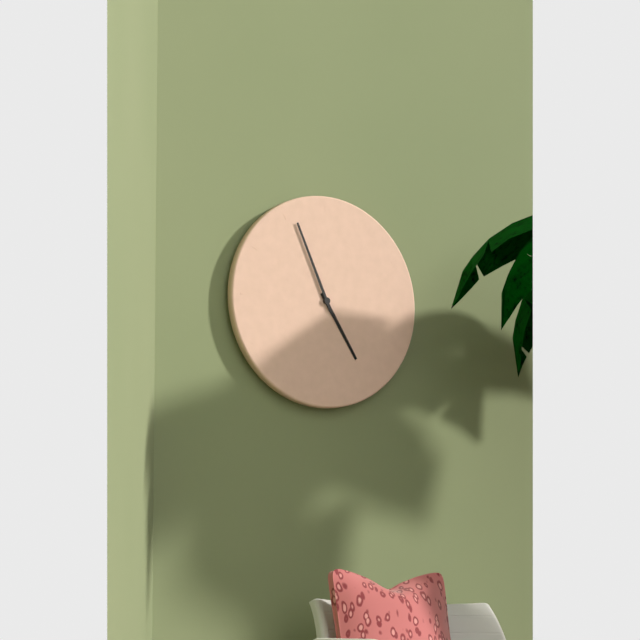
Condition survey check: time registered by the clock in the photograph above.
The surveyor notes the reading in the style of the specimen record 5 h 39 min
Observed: 4 h 56 min
